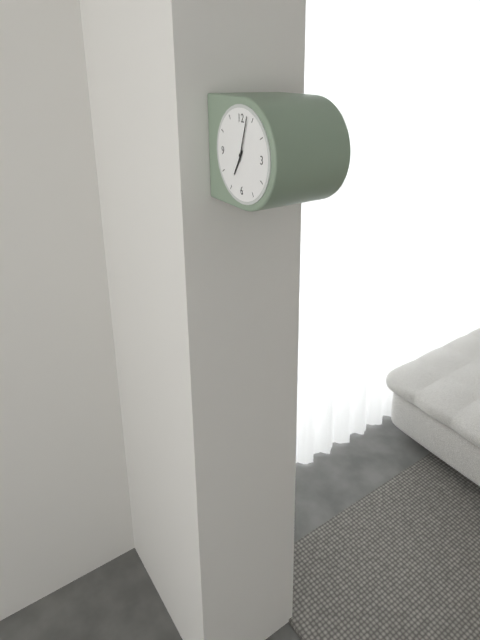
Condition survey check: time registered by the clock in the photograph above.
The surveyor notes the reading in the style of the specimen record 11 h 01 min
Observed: 7 h 03 min
